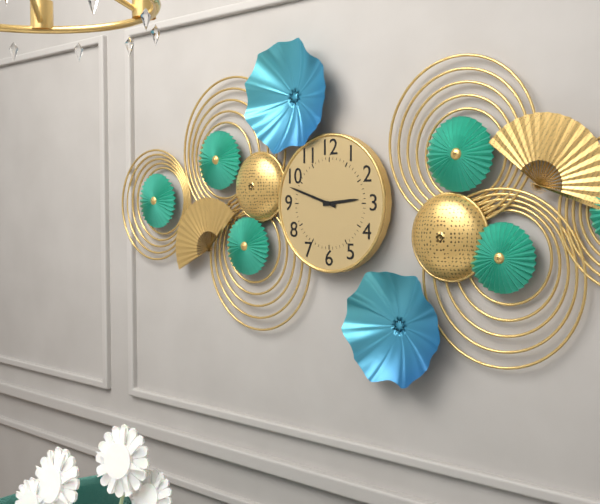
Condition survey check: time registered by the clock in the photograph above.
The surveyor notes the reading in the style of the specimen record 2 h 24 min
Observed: 2 h 48 min
